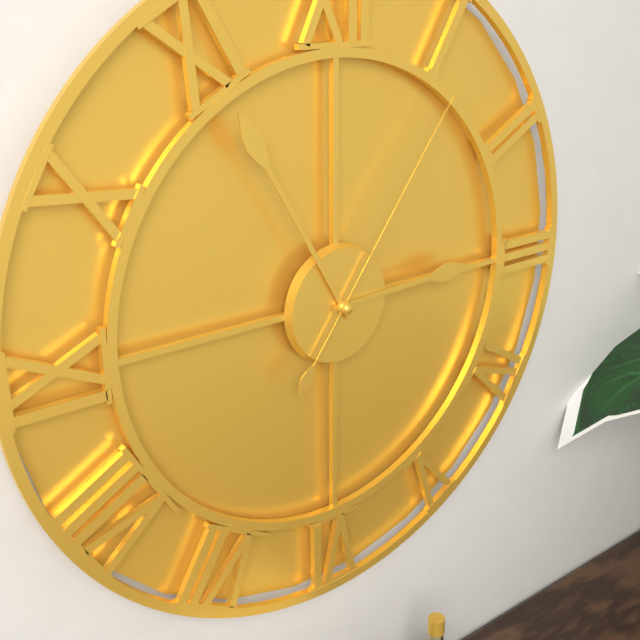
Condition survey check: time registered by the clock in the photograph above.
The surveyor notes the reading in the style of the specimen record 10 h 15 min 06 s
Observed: 2 h 55 min 06 s
